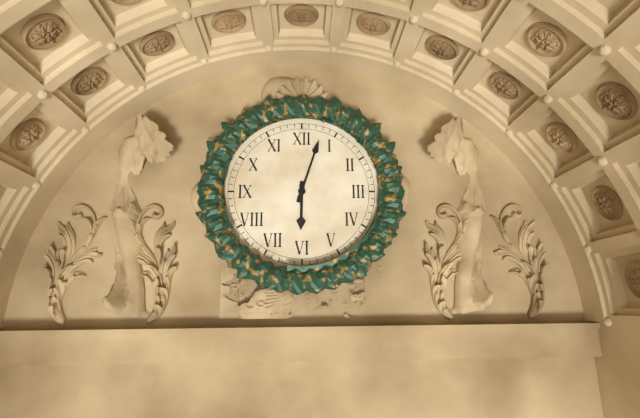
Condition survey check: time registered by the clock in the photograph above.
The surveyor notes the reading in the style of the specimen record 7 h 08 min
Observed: 6 h 03 min
